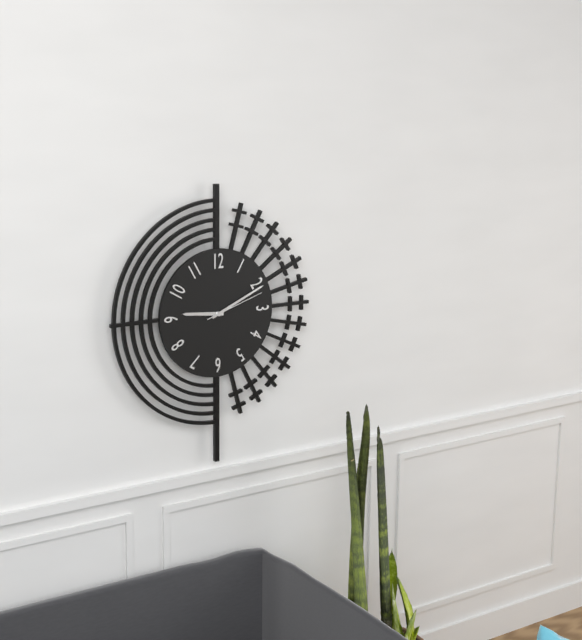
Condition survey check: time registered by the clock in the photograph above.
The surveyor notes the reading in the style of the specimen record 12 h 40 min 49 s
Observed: 9 h 11 min 12 s
